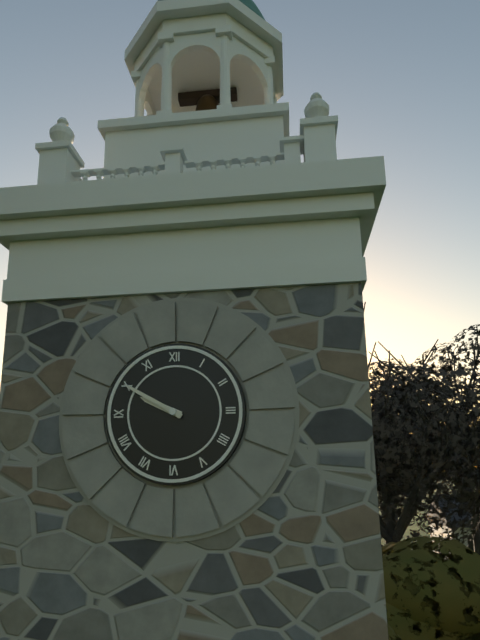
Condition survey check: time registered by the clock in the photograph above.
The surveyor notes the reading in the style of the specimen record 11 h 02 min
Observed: 9 h 50 min
